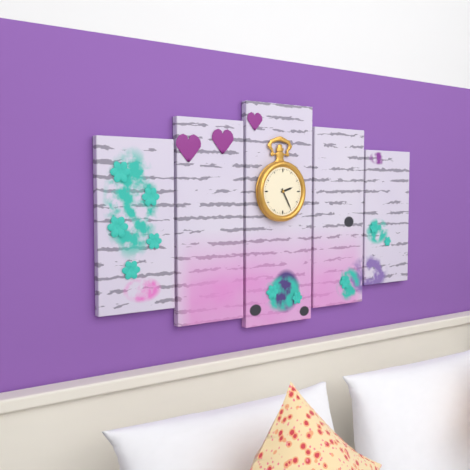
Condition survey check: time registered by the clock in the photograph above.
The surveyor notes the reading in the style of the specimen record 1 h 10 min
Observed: 2 h 25 min
